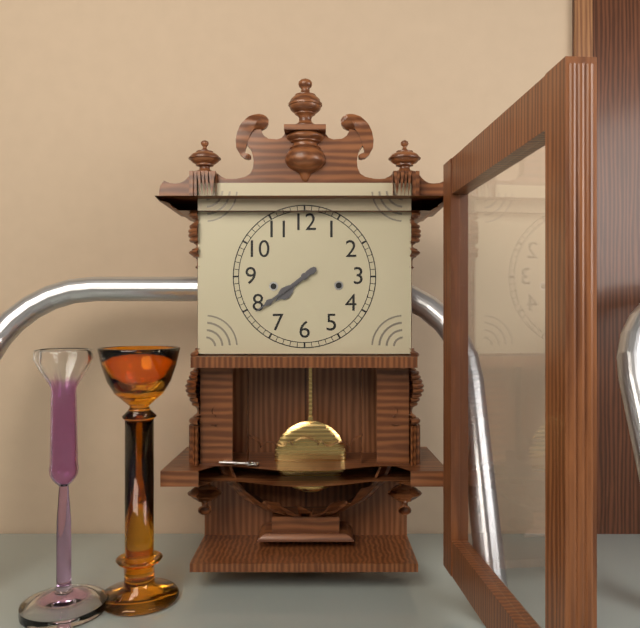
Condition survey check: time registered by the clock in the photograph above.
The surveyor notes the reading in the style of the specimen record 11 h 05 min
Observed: 7 h 39 min
